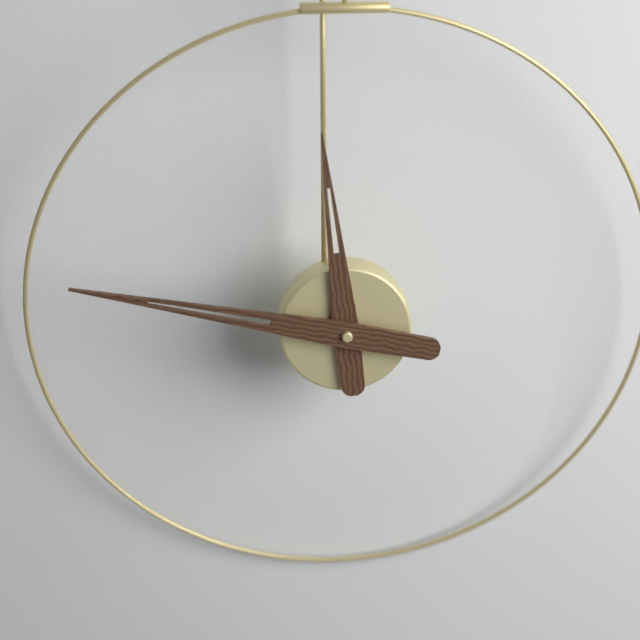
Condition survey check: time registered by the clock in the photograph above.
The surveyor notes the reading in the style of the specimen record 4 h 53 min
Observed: 11 h 47 min
